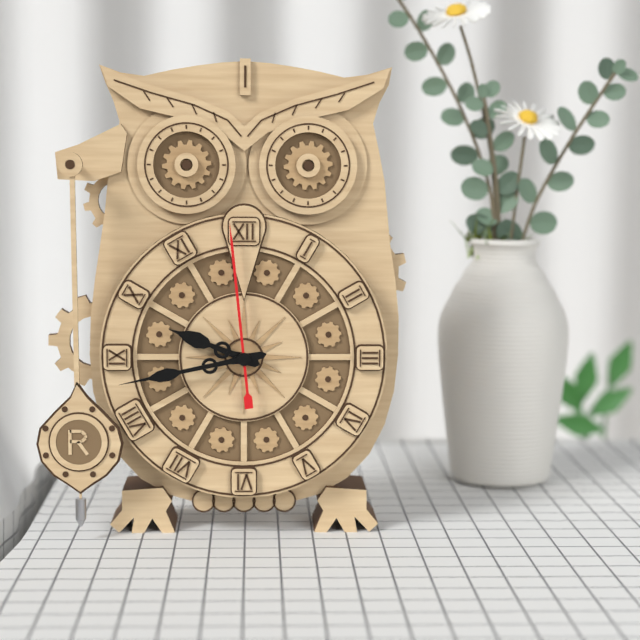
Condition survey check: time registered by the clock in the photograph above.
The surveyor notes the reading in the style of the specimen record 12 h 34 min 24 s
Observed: 9 h 43 min 59 s
